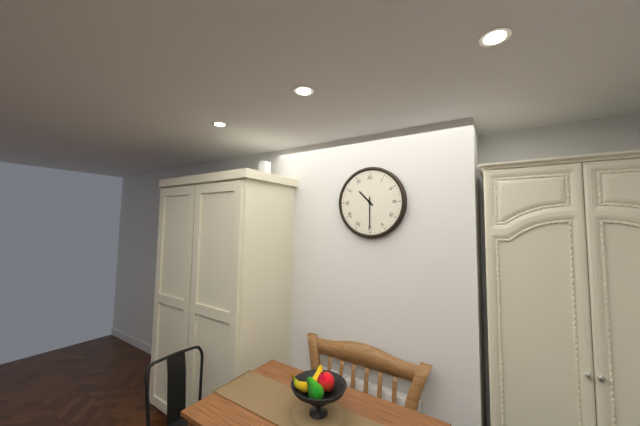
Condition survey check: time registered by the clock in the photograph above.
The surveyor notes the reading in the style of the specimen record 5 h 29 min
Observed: 10 h 30 min
